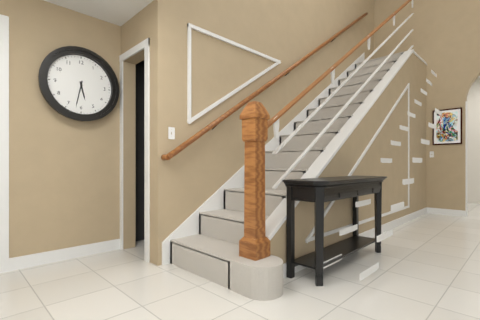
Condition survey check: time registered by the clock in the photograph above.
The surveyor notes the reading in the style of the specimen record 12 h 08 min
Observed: 5 h 32 min
